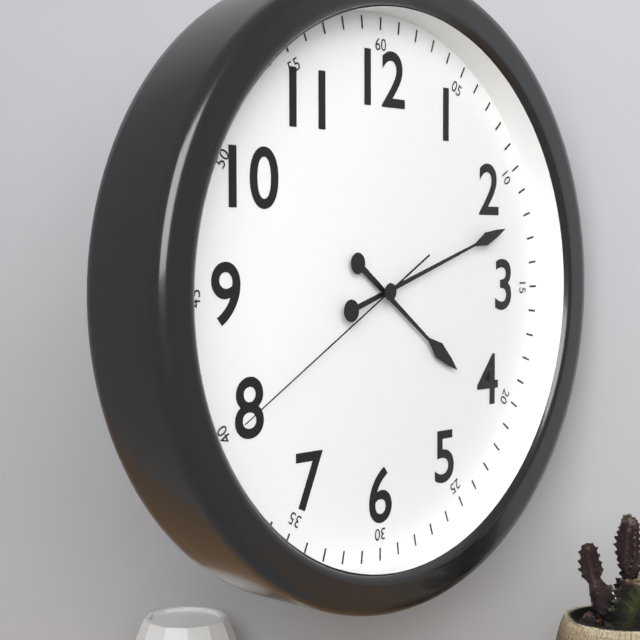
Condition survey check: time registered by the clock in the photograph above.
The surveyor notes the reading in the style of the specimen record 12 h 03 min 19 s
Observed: 4 h 12 min 40 s
